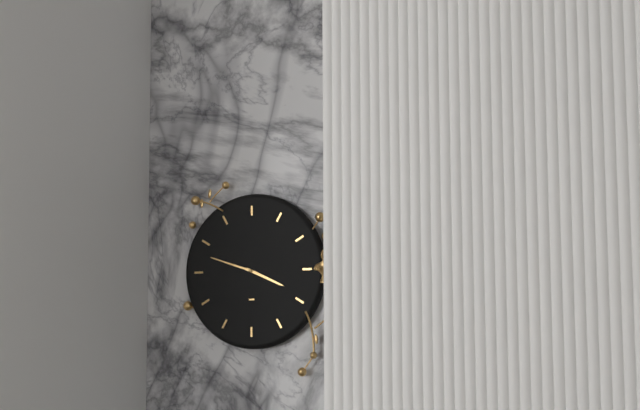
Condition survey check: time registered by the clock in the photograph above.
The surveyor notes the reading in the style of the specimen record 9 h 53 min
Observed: 3 h 48 min
